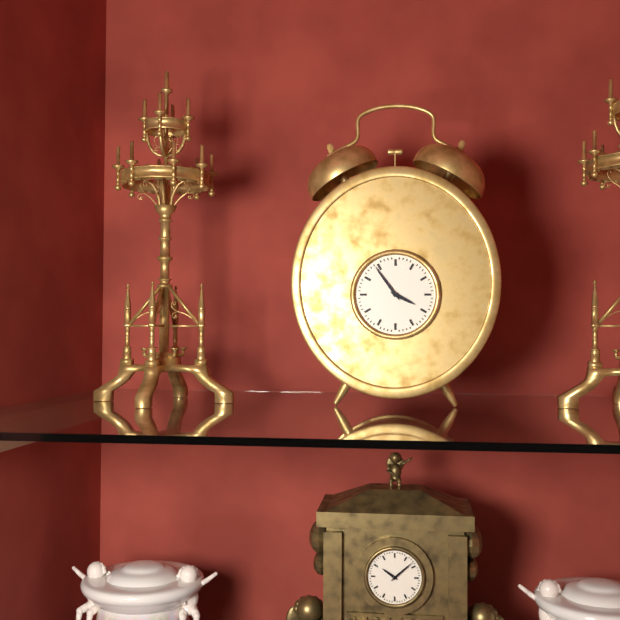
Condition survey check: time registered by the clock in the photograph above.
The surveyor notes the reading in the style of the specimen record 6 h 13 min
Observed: 3 h 54 min
